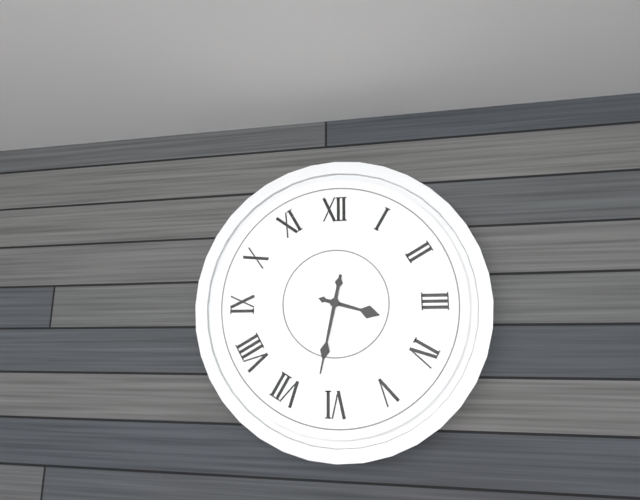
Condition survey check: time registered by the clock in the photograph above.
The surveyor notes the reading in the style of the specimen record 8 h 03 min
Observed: 3 h 32 min
